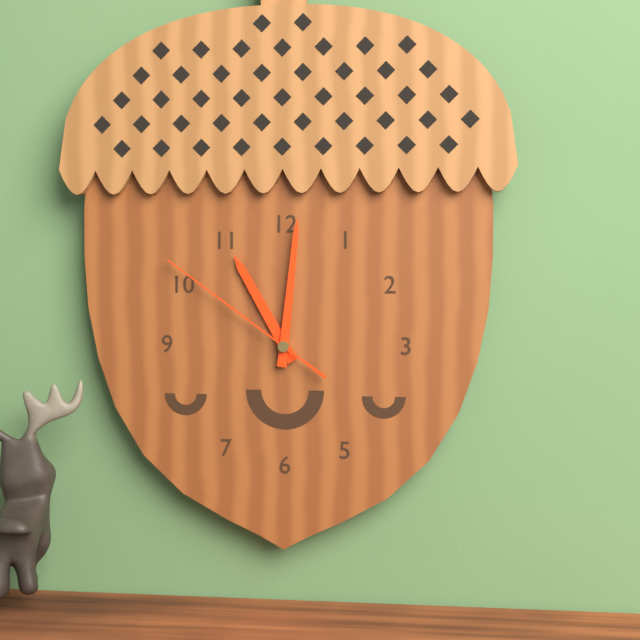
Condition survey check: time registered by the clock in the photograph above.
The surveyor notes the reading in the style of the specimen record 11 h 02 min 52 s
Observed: 11 h 01 min 51 s
